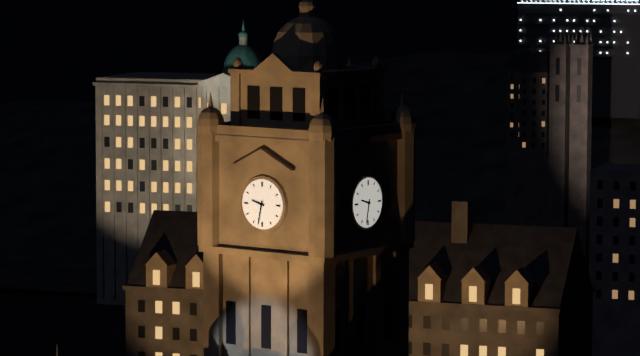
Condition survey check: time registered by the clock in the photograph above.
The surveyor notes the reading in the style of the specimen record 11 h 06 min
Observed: 9 h 32 min
